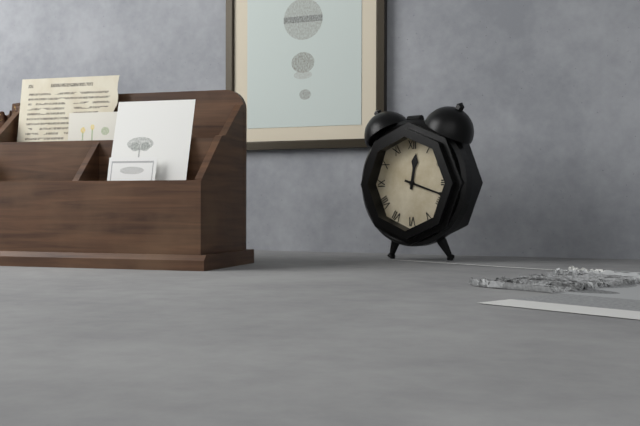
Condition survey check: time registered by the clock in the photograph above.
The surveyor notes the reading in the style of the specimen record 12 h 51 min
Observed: 12 h 18 min
